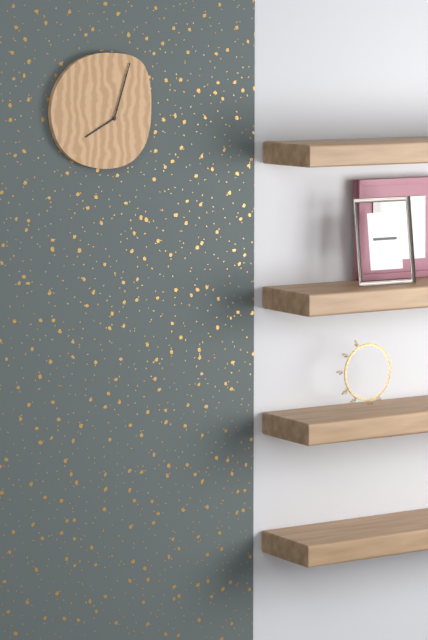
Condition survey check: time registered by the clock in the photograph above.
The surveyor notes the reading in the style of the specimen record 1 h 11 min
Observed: 8 h 03 min
